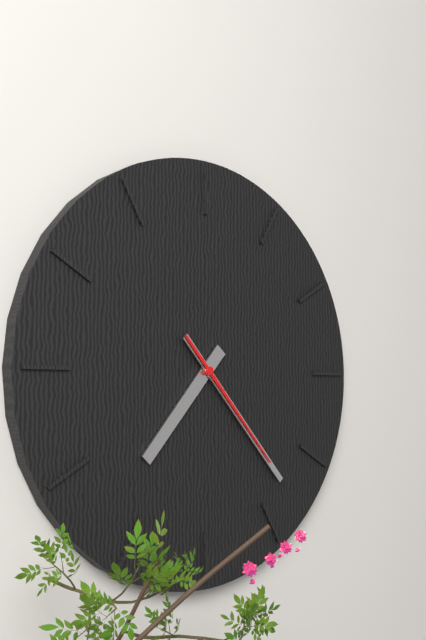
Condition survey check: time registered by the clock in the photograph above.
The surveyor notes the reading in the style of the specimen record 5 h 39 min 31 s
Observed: 7 h 23 min 23 s
